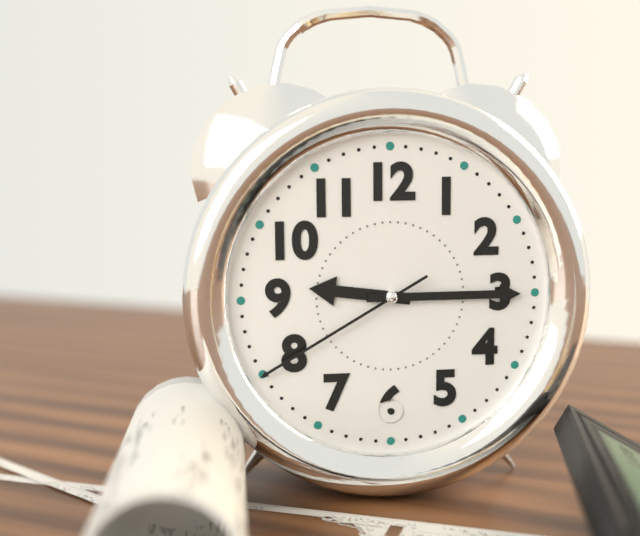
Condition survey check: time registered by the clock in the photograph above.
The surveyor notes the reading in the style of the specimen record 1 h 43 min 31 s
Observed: 9 h 15 min 40 s
